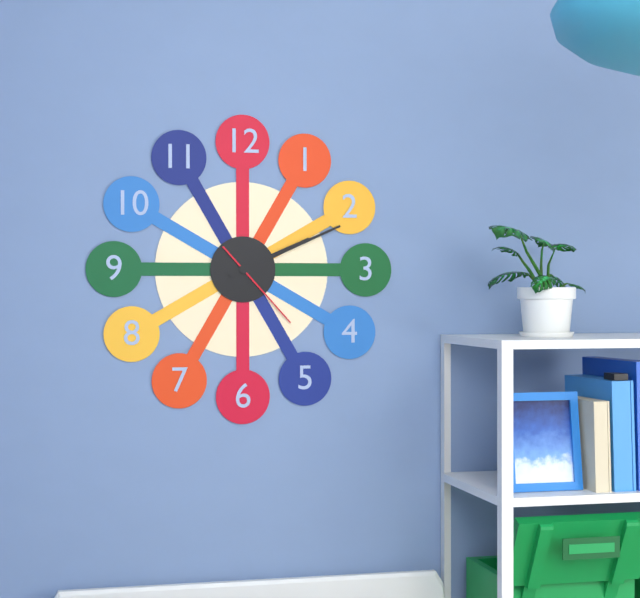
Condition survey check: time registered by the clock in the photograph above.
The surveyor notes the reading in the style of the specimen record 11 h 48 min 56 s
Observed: 2 h 11 min 23 s
